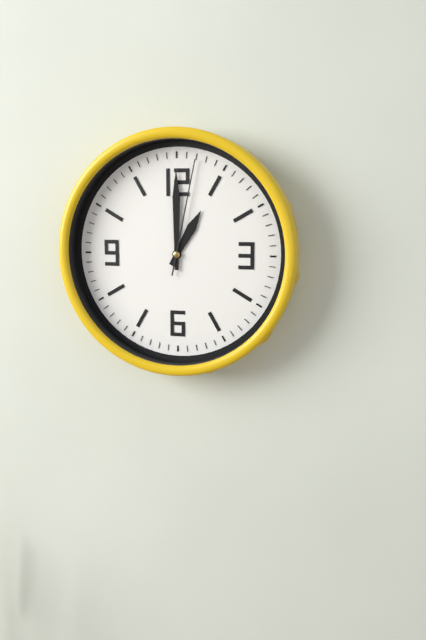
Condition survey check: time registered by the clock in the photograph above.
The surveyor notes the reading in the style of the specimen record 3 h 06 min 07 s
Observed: 1 h 00 min 02 s
